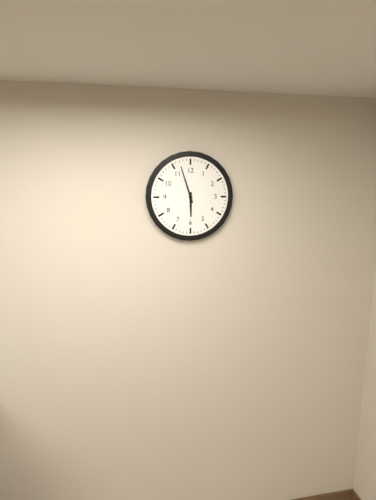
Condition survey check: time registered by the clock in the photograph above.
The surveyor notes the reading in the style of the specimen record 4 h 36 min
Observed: 5 h 57 min
